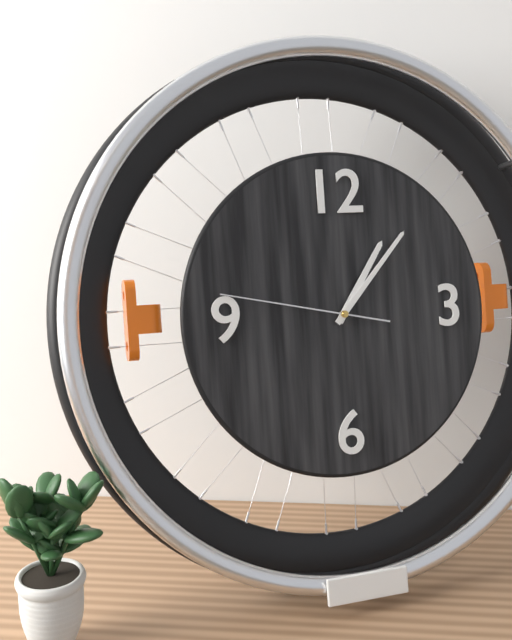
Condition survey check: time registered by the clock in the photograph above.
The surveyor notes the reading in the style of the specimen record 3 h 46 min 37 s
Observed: 1 h 07 min 47 s
